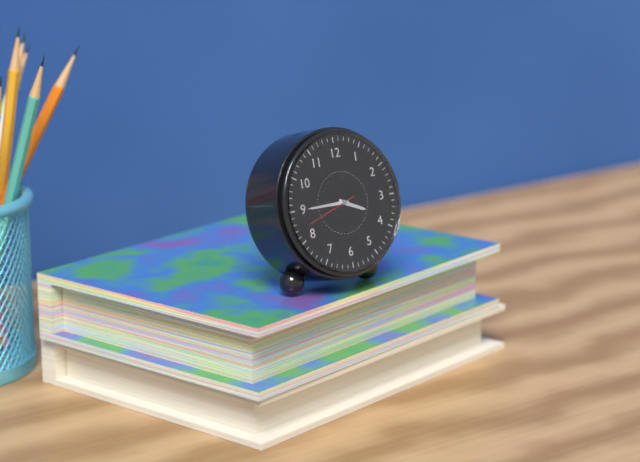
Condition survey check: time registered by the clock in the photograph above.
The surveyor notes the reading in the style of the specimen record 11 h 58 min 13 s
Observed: 3 h 45 min 42 s
